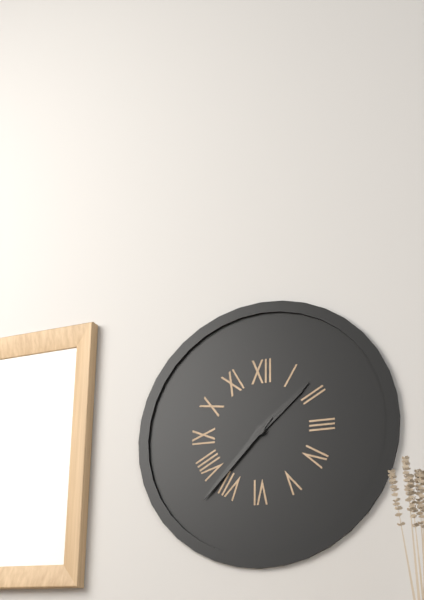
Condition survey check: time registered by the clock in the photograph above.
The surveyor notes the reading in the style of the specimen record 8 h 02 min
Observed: 1 h 37 min
